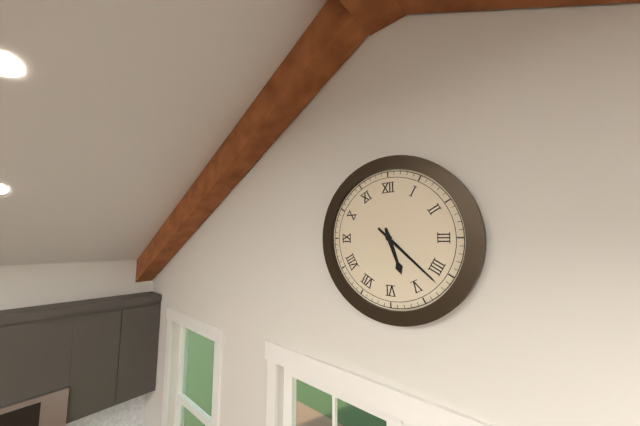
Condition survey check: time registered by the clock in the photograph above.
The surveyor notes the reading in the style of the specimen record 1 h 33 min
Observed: 5 h 22 min
